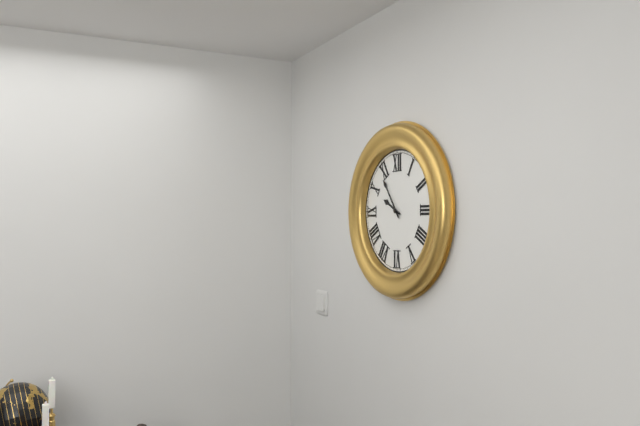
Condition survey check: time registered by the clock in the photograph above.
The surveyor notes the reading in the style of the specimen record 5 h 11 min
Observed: 9 h 54 min
